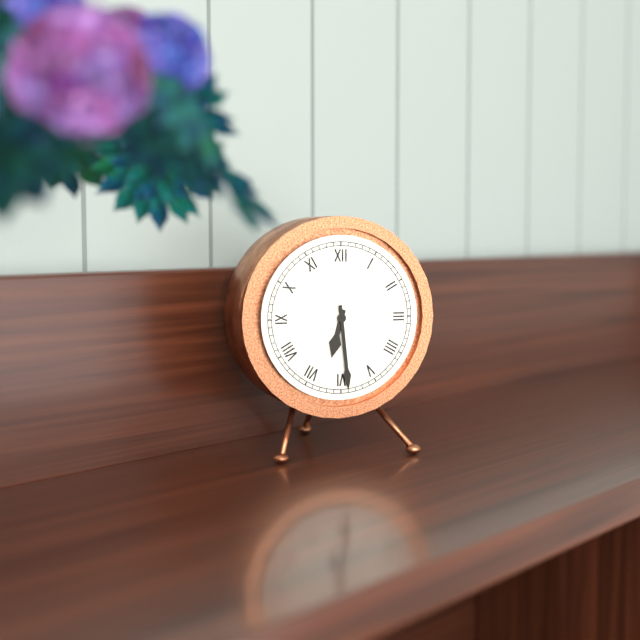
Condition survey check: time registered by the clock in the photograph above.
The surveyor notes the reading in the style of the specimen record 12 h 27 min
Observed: 6 h 29 min
